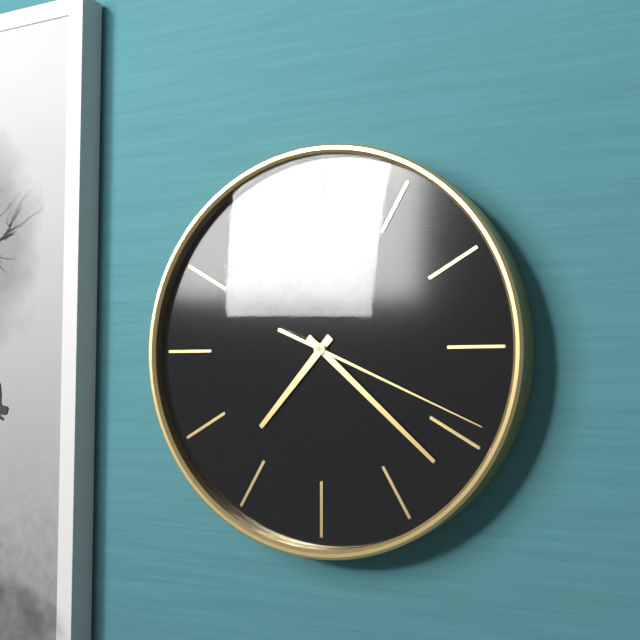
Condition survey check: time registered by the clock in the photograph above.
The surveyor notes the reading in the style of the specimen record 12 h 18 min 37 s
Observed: 7 h 22 min 19 s
